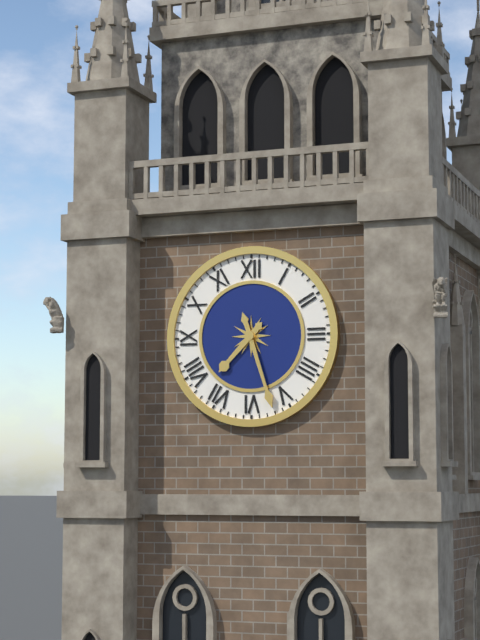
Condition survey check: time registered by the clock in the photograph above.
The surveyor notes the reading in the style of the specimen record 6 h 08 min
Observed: 7 h 27 min
